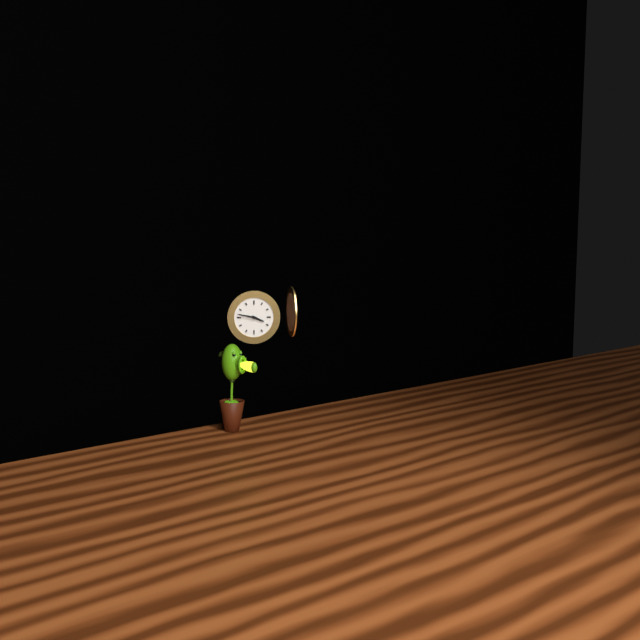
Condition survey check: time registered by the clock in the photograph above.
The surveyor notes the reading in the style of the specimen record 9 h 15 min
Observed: 3 h 47 min
